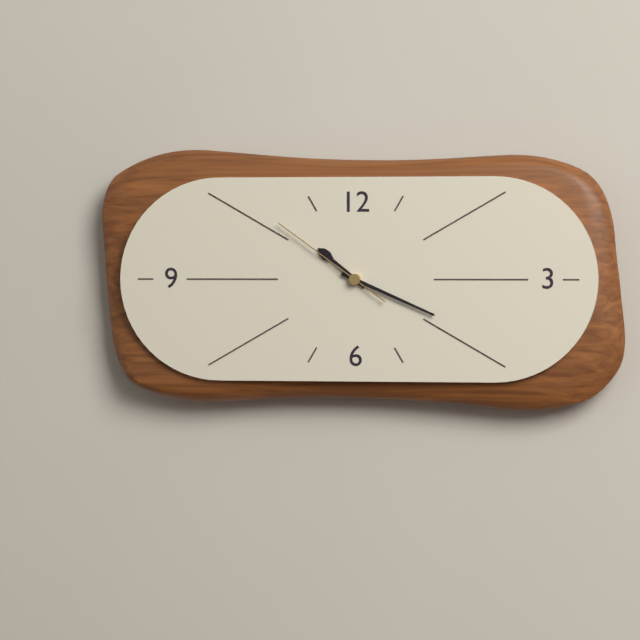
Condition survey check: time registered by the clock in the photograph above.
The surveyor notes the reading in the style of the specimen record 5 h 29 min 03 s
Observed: 10 h 19 min 51 s
